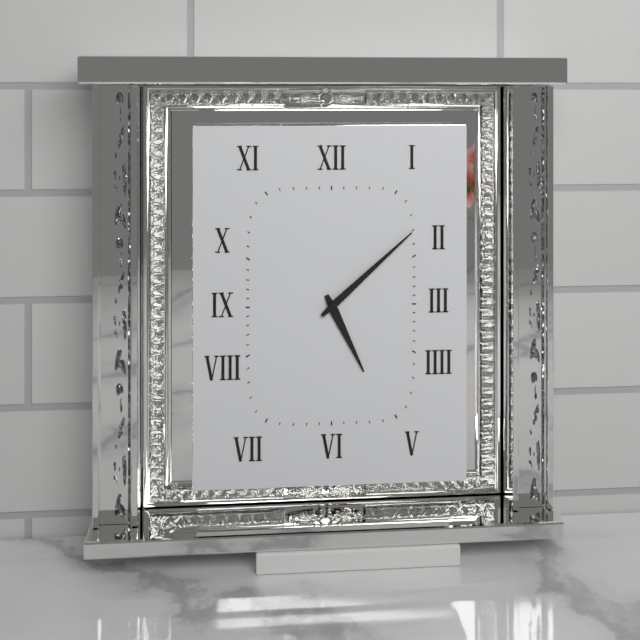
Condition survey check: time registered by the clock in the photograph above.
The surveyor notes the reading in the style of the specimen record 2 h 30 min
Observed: 5 h 08 min
